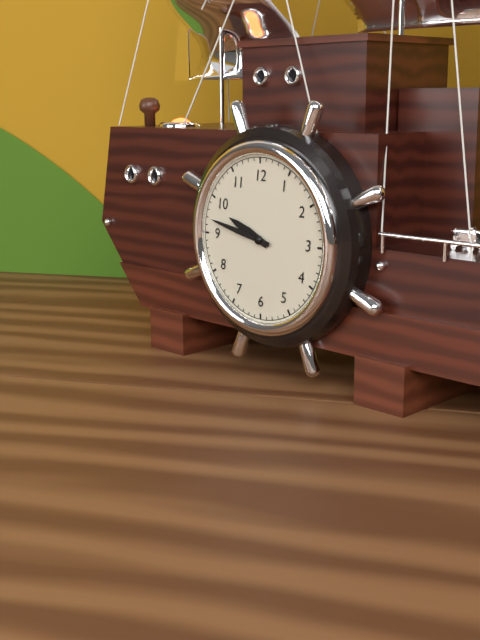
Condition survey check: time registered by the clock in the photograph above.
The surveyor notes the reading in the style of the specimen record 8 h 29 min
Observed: 9 h 47 min
